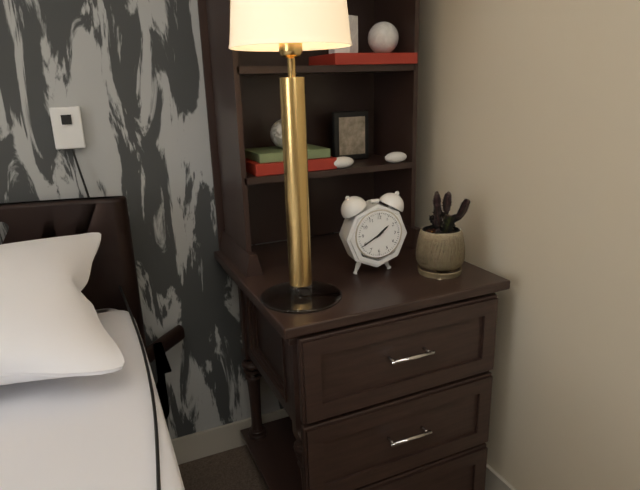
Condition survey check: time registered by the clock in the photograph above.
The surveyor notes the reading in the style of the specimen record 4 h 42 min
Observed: 1 h 40 min
